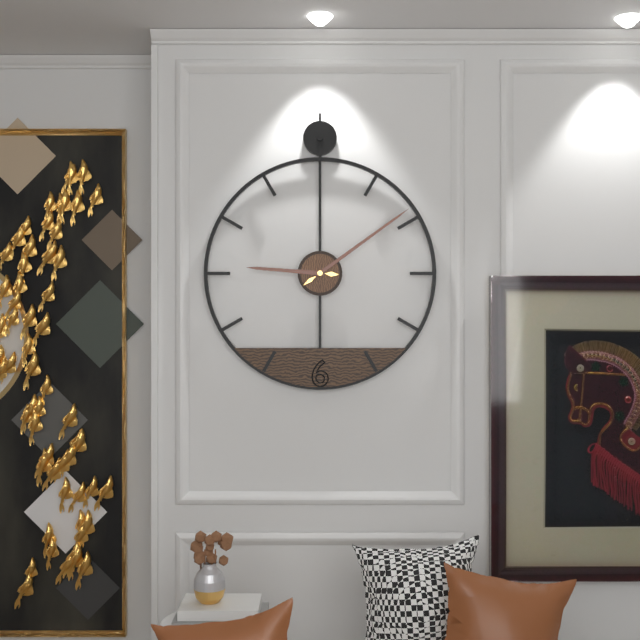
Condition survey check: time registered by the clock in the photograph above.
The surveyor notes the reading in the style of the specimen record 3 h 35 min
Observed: 9 h 09 min
